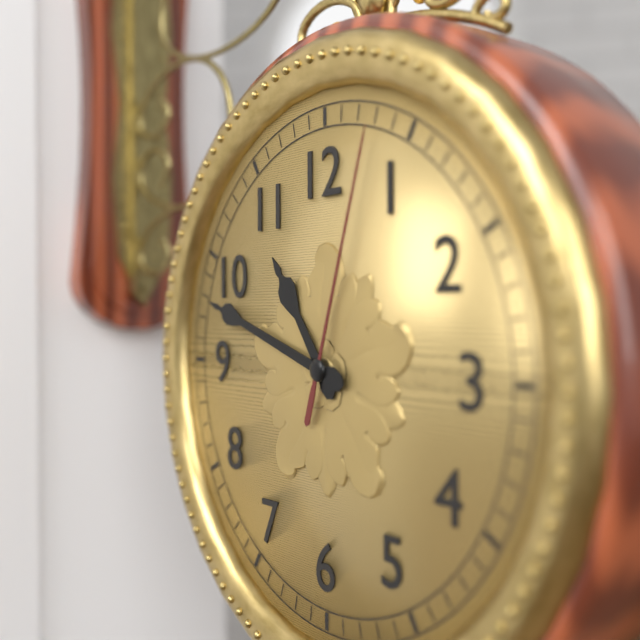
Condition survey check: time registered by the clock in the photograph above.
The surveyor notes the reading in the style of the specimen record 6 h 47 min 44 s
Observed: 10 h 48 min 03 s
